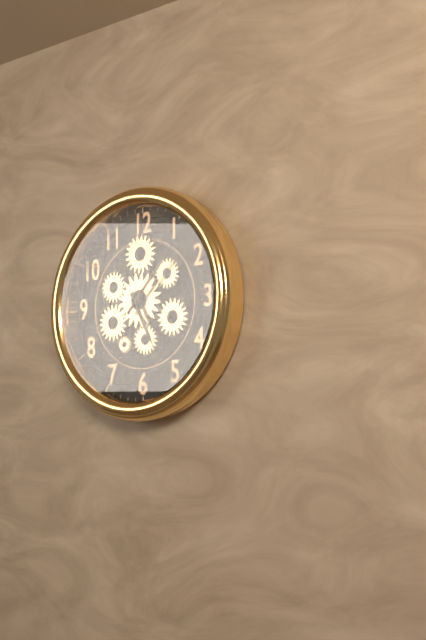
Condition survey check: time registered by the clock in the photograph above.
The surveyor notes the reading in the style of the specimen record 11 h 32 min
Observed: 5 h 07 min
